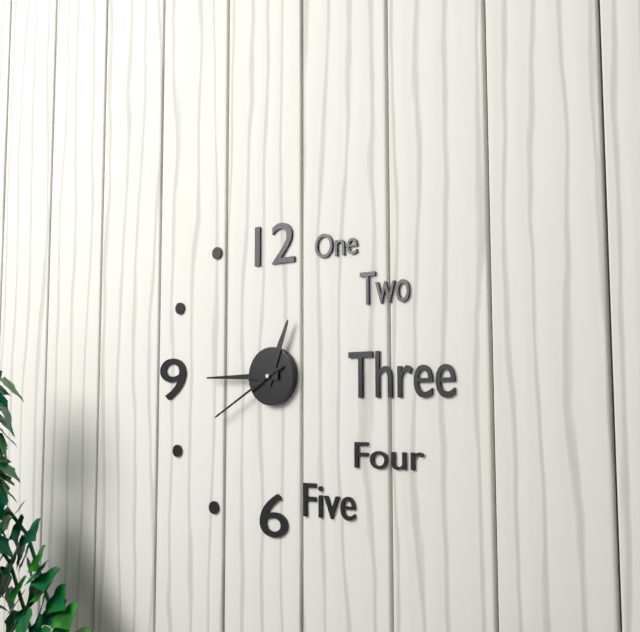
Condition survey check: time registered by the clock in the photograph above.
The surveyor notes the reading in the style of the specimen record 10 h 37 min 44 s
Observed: 12 h 45 min 40 s
